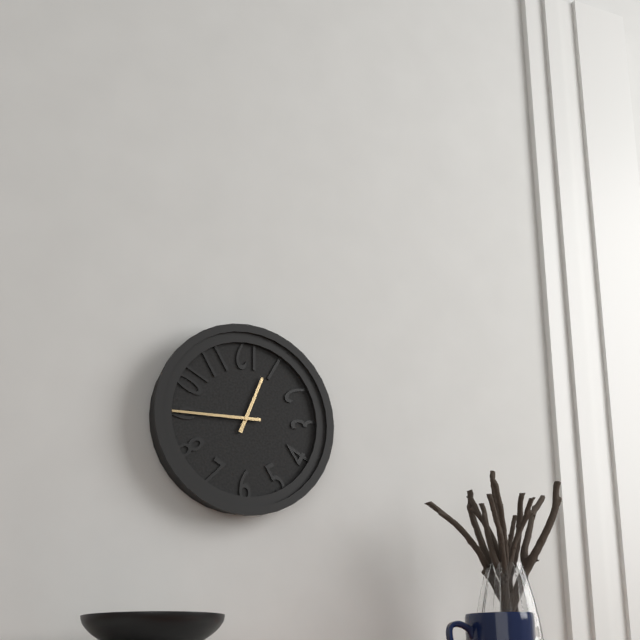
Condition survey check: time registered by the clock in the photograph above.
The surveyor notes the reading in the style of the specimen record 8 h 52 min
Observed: 12 h 45 min
